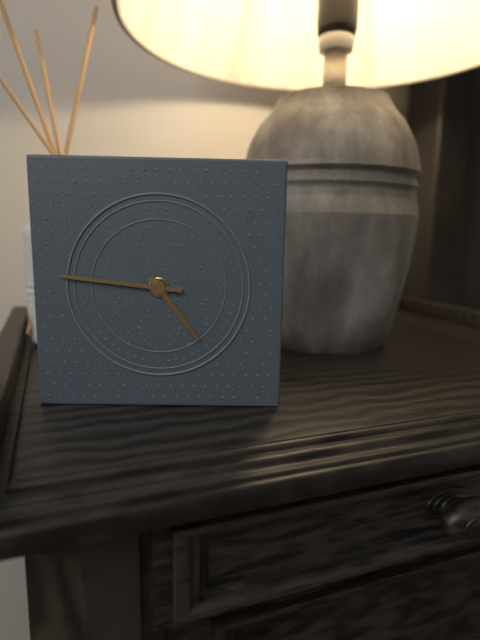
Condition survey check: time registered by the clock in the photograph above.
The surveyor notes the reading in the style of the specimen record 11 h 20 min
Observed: 4 h 46 min
